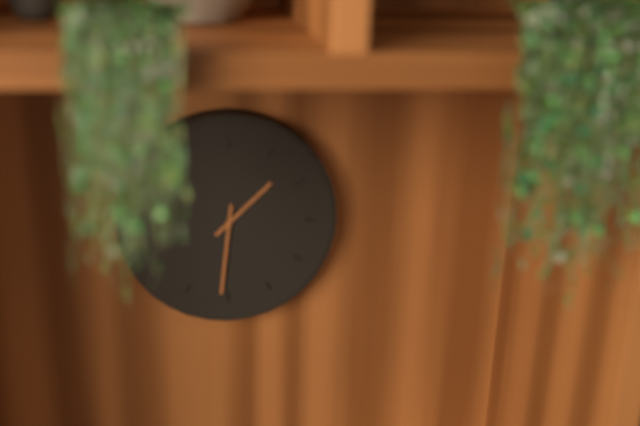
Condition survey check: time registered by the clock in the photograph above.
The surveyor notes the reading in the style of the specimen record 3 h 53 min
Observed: 1 h 31 min
